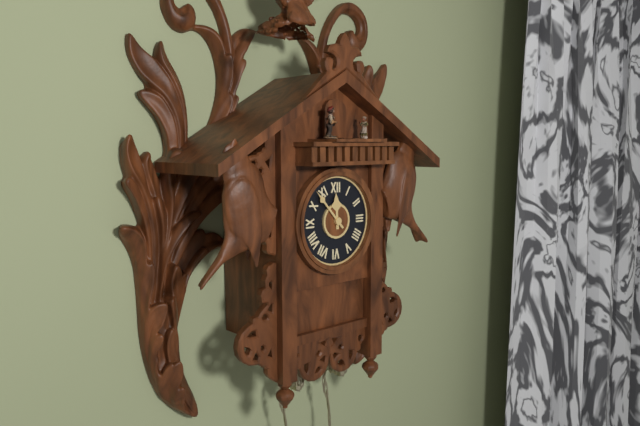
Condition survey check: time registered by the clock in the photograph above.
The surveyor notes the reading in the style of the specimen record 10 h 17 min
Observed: 11 h 53 min
